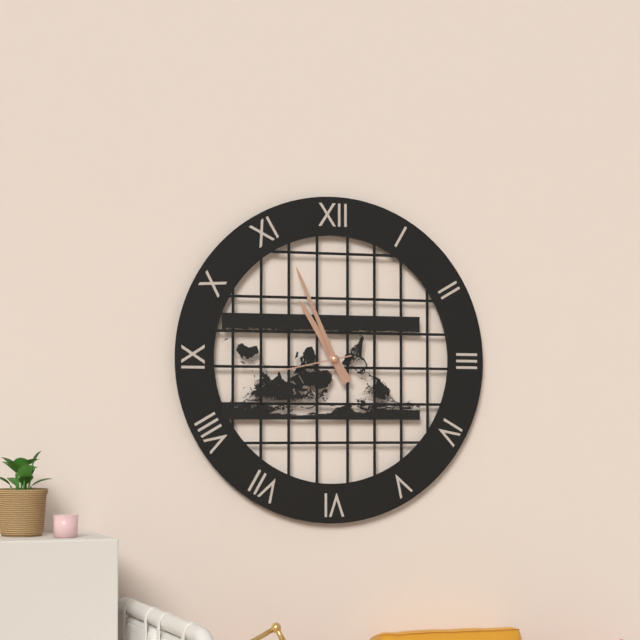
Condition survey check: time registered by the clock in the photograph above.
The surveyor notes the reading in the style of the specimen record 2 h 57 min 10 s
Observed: 10 h 56 min 43 s
